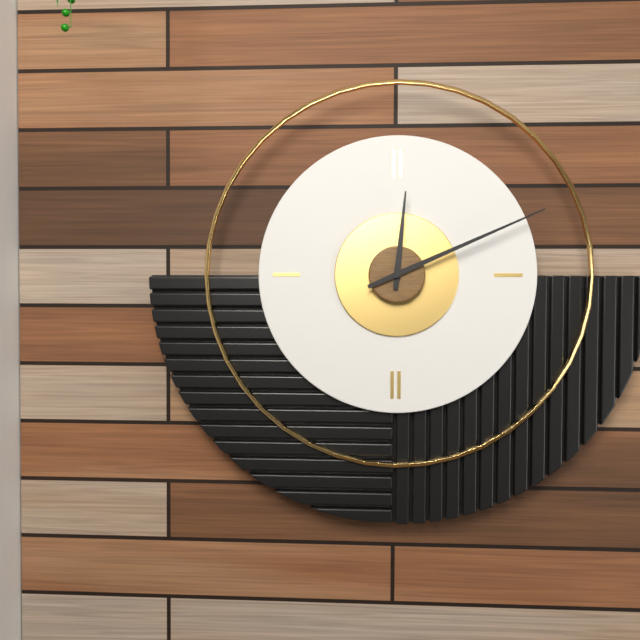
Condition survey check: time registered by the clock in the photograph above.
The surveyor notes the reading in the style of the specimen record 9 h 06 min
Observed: 12 h 11 min
